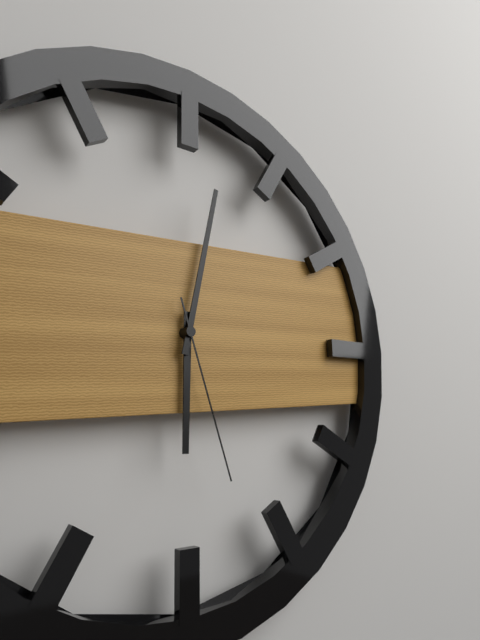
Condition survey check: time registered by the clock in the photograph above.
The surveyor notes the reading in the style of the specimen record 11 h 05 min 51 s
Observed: 6 h 02 min 27 s
